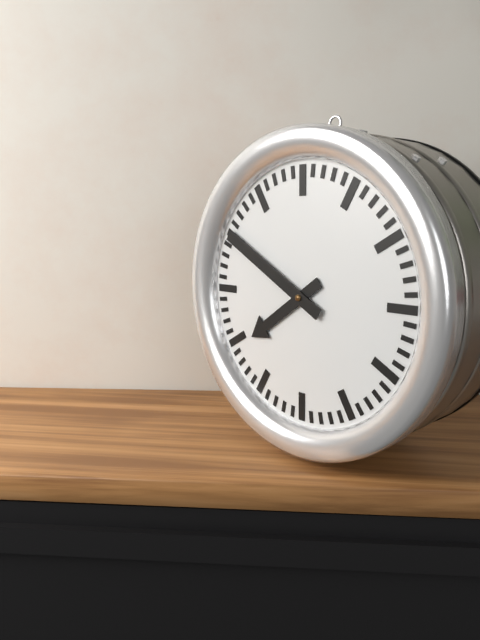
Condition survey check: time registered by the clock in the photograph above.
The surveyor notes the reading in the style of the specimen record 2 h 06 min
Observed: 7 h 50 min
